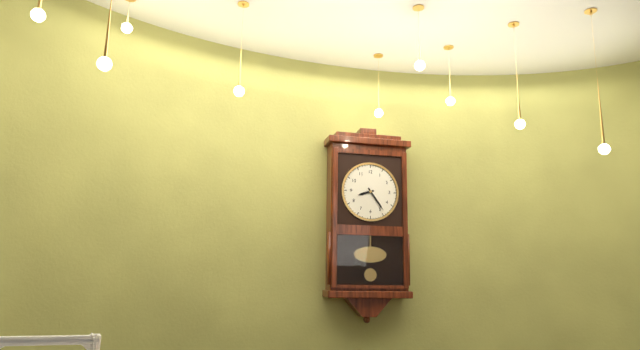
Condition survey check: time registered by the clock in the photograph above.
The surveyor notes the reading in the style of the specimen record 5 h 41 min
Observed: 8 h 24 min
